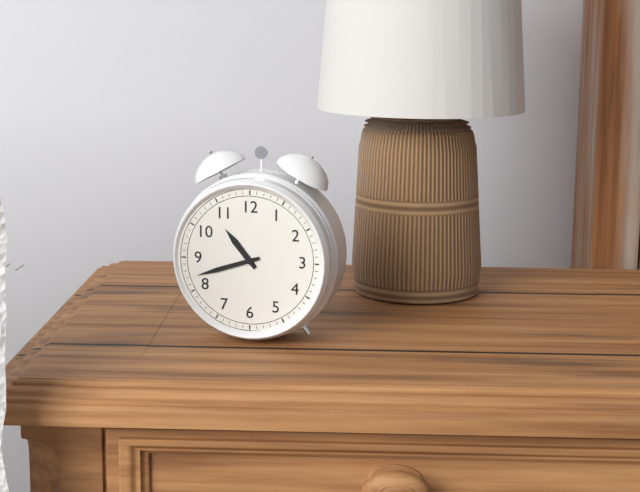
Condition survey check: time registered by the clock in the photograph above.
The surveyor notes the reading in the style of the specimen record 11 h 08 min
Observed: 10 h 42 min
